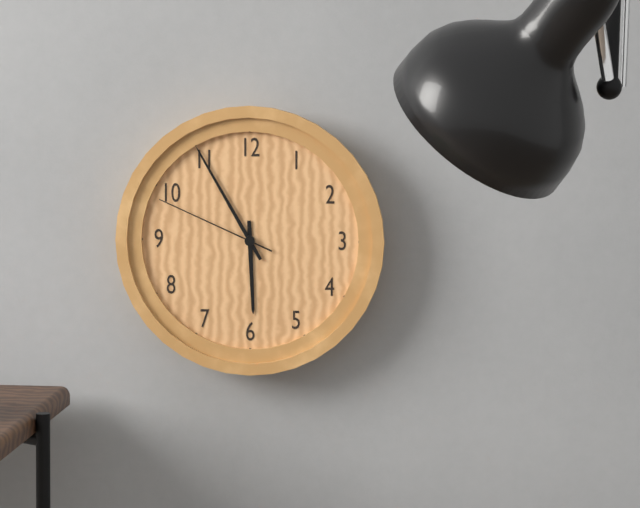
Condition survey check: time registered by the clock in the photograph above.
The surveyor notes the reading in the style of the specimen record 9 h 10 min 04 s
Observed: 5 h 55 min 49 s
